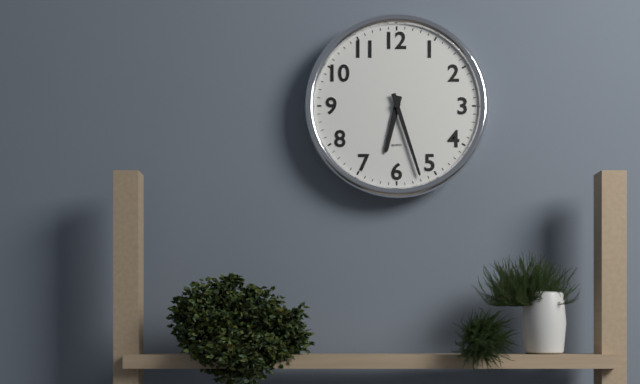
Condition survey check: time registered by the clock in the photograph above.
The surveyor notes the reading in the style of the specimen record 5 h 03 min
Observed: 6 h 27 min
